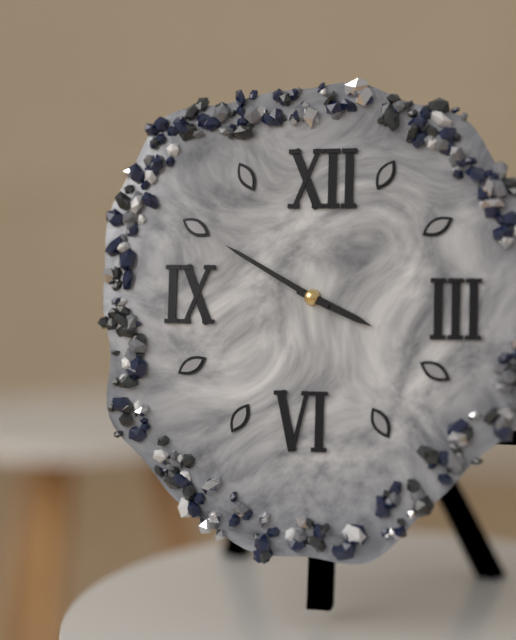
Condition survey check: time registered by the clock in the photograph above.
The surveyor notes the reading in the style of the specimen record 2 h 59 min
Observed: 3 h 50 min
